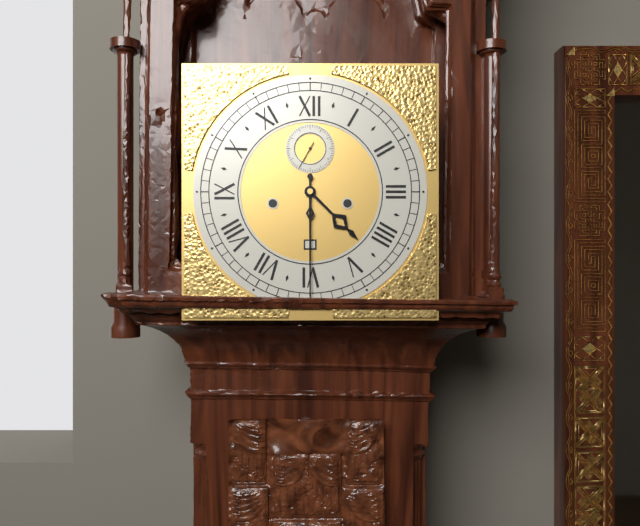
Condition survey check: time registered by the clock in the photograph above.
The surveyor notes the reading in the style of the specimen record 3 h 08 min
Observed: 4 h 30 min
